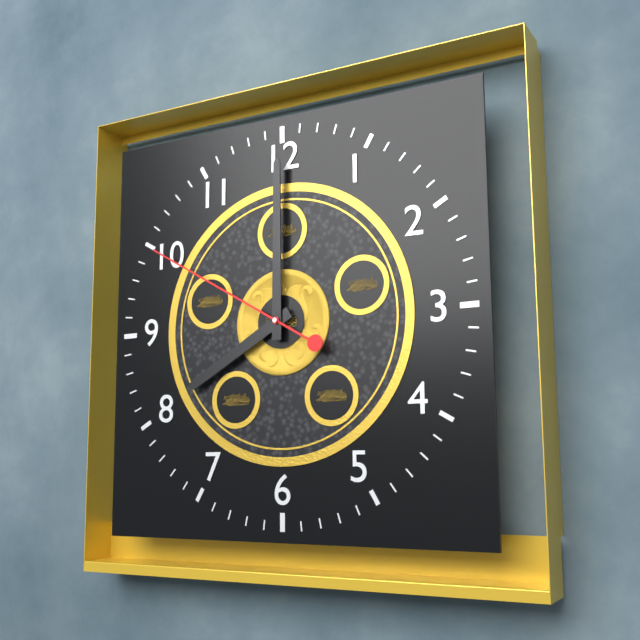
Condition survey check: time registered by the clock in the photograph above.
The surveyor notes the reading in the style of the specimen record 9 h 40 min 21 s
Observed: 8 h 00 min 50 s
